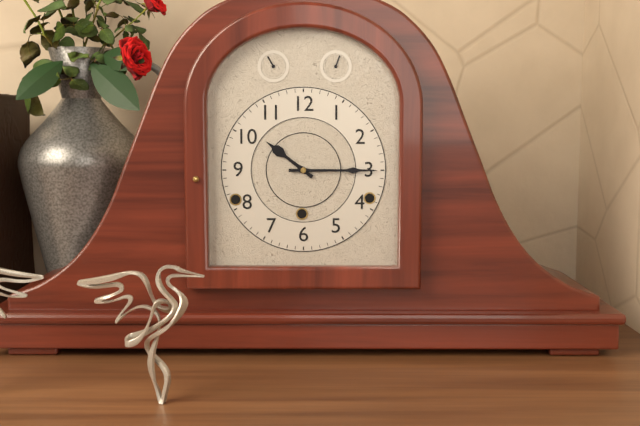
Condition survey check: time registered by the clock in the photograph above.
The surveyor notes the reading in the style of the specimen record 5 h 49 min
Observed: 10 h 15 min
